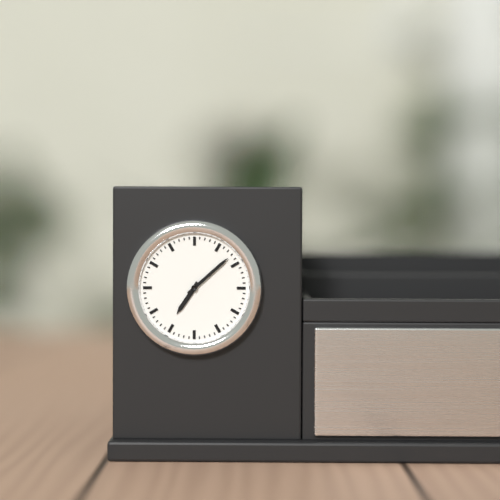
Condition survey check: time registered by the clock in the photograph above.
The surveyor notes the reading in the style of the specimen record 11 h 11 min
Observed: 7 h 08 min
